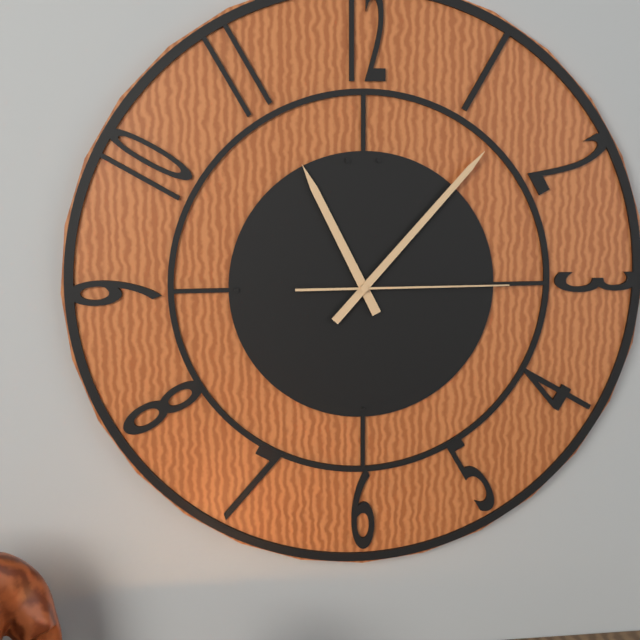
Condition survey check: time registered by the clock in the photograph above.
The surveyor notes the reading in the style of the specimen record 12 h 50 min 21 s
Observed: 11 h 07 min 15 s
